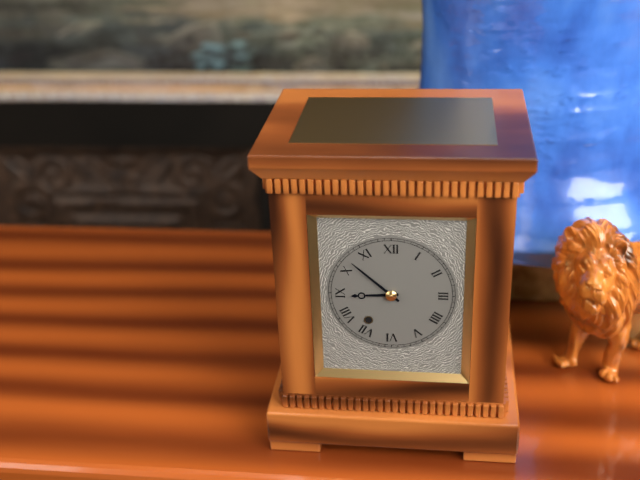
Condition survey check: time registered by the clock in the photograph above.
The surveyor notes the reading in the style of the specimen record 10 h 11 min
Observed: 8 h 52 min
